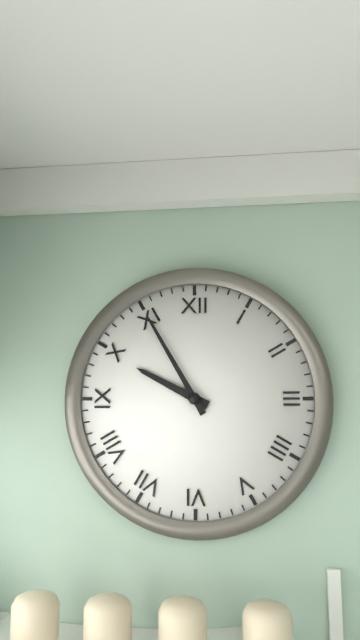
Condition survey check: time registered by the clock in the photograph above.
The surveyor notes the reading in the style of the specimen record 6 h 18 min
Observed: 9 h 55 min
